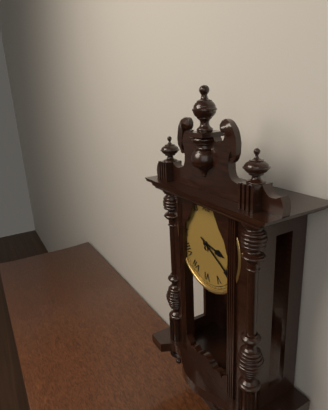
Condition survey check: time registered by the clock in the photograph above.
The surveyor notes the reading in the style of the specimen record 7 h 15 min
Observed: 3 h 20 min
